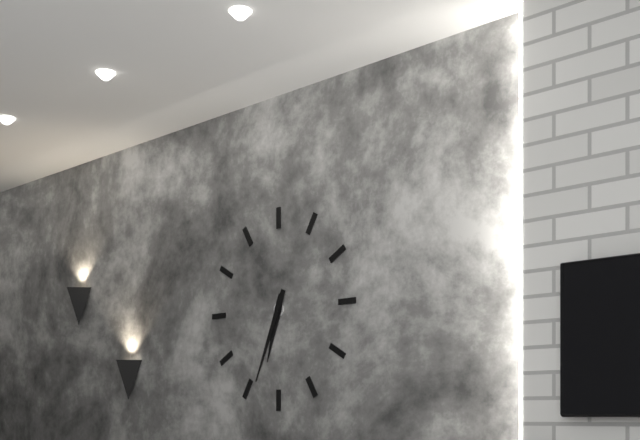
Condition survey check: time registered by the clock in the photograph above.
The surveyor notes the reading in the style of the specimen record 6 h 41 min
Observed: 6 h 34 min
